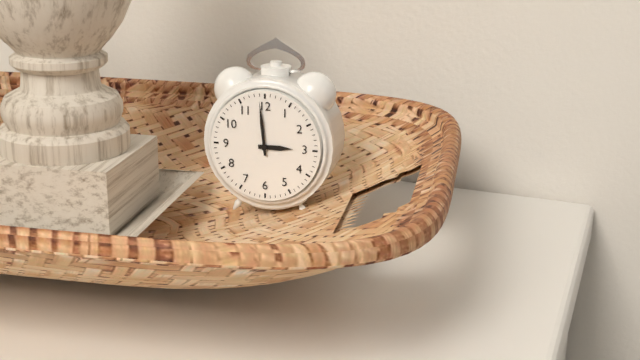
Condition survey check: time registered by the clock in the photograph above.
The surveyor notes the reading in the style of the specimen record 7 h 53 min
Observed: 2 h 59 min
